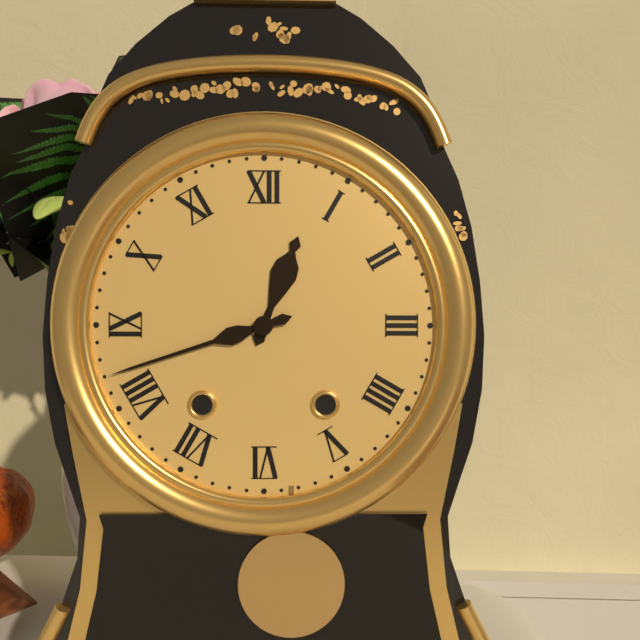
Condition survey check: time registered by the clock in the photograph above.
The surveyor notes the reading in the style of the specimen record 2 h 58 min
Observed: 12 h 42 min
